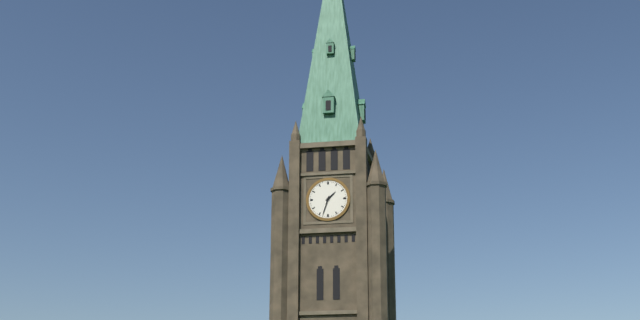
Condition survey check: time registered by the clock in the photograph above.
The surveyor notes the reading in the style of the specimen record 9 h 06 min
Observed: 1 h 33 min
